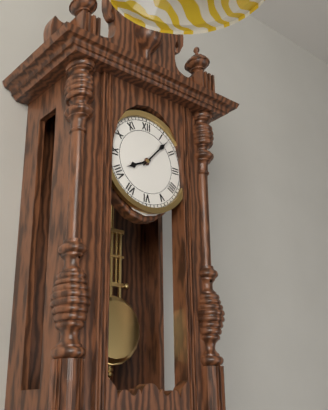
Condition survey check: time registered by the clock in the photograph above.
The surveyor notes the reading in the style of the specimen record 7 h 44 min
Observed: 8 h 07 min
